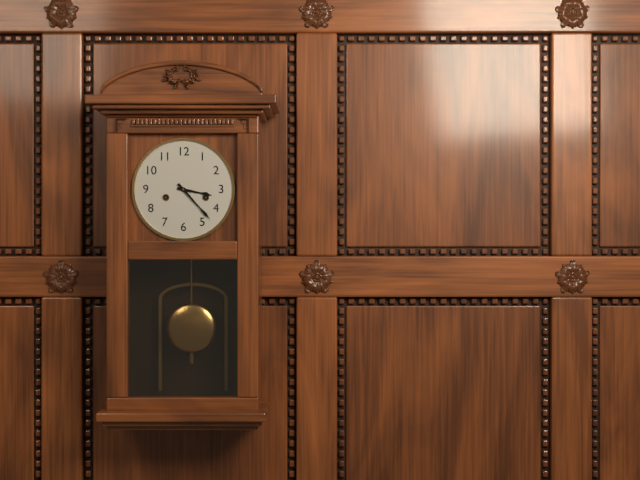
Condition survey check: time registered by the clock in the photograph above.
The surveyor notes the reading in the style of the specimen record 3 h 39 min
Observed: 3 h 23 min
